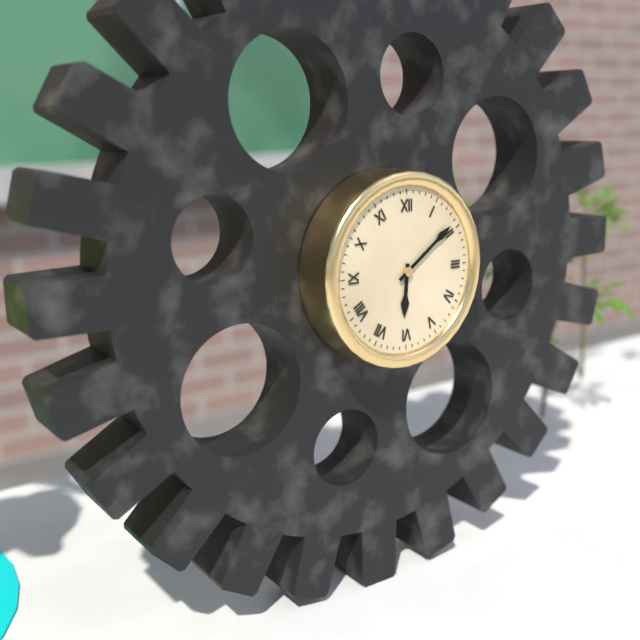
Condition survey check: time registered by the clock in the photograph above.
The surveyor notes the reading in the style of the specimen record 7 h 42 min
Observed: 6 h 09 min
